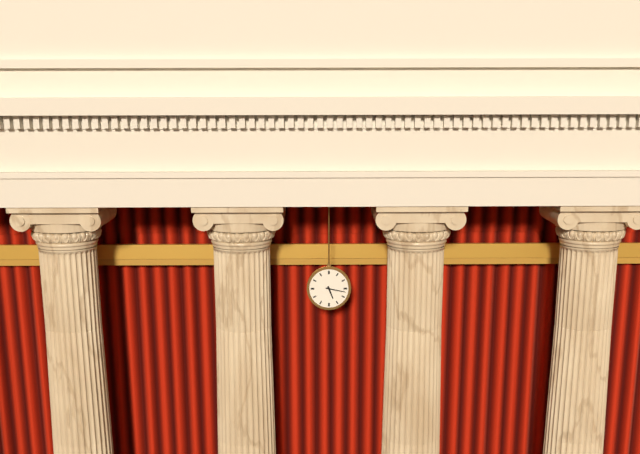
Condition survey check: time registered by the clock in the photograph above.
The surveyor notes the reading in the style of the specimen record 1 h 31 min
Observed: 5 h 17 min
